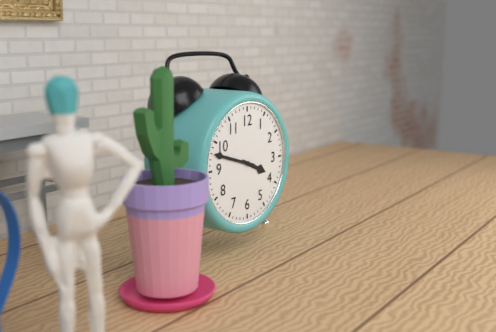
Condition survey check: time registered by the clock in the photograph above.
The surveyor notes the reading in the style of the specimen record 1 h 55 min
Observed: 3 h 48 min
